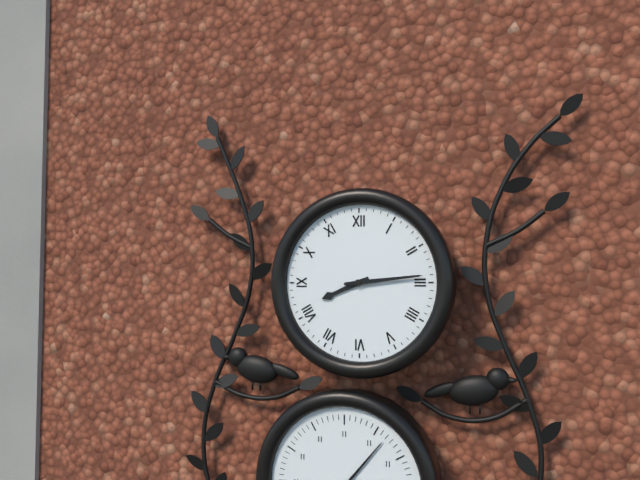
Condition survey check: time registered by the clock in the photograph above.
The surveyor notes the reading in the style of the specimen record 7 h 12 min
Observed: 8 h 14 min
